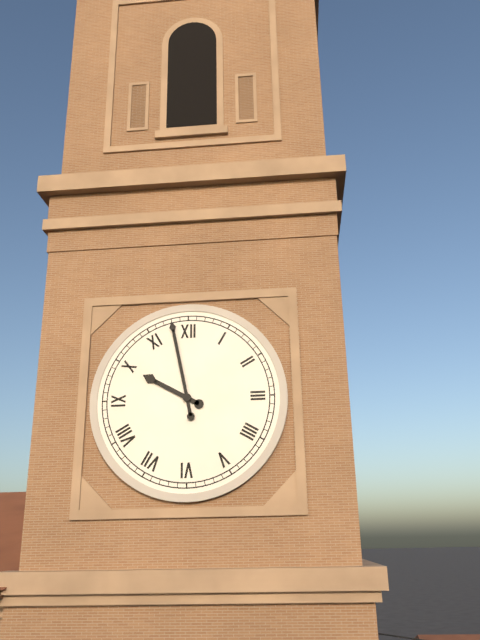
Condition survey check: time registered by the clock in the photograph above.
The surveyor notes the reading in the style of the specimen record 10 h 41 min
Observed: 9 h 58 min
